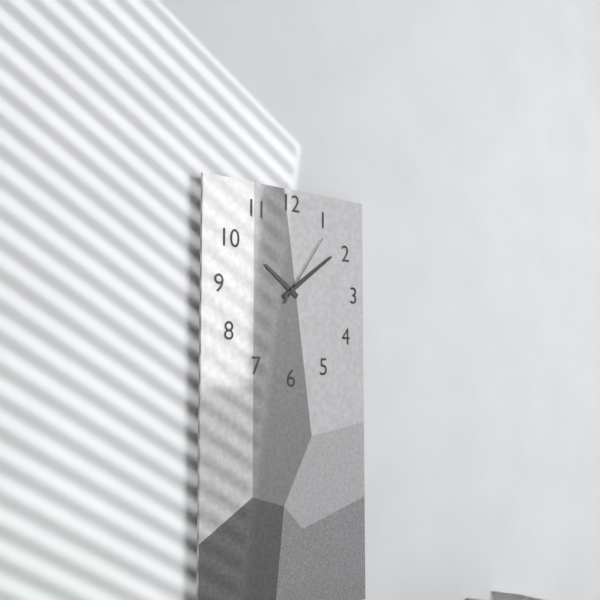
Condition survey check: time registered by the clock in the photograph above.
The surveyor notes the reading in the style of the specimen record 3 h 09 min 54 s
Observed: 10 h 09 min 06 s
